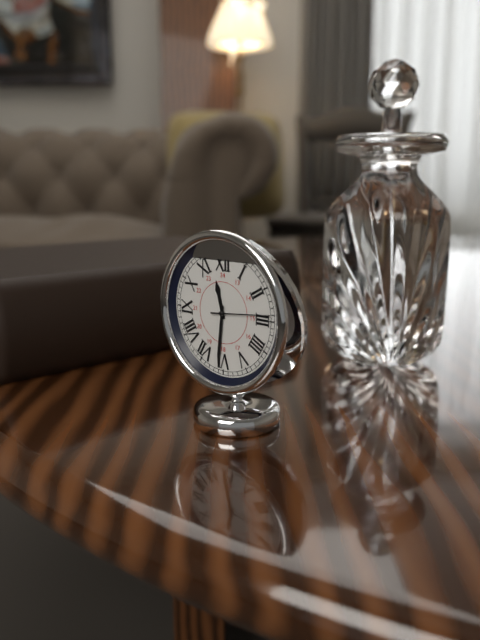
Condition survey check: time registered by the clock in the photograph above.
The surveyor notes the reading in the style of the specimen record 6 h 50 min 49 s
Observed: 11 h 31 min 14 s
